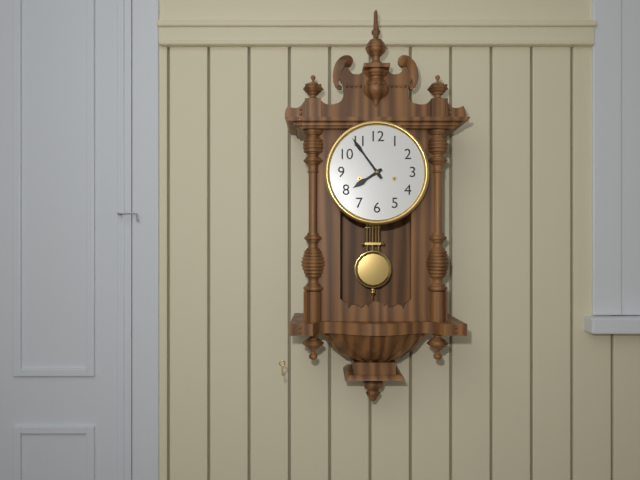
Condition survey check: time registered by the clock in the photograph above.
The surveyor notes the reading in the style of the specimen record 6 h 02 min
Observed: 7 h 54 min
